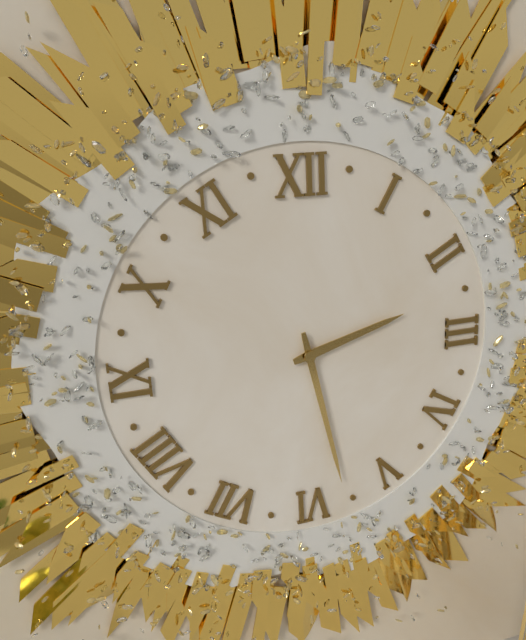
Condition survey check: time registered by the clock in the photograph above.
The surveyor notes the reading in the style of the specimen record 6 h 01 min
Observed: 2 h 28 min
